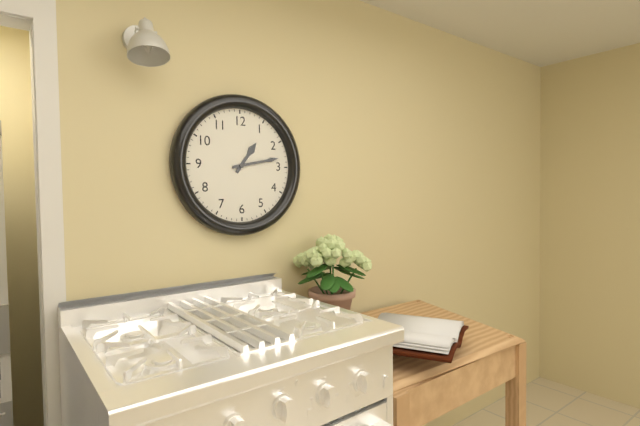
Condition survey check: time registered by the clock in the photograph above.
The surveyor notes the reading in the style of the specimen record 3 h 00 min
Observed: 1 h 13 min
